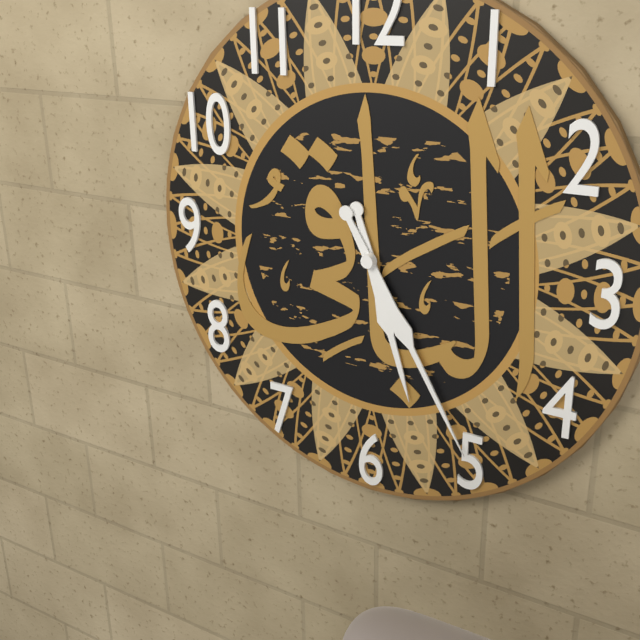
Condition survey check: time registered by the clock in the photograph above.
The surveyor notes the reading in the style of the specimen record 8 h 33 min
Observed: 5 h 25 min
